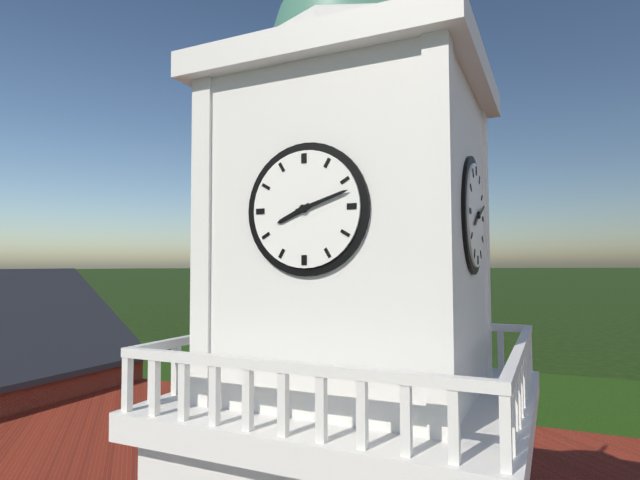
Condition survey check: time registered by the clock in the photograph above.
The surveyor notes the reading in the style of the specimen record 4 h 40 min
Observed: 8 h 12 min
